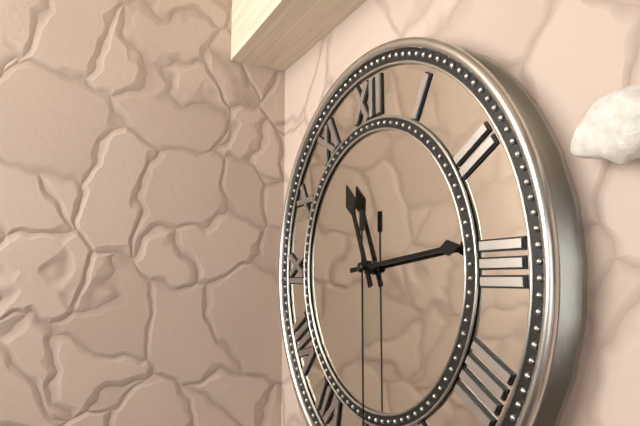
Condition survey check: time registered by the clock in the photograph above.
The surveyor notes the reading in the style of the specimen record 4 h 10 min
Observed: 11 h 14 min
